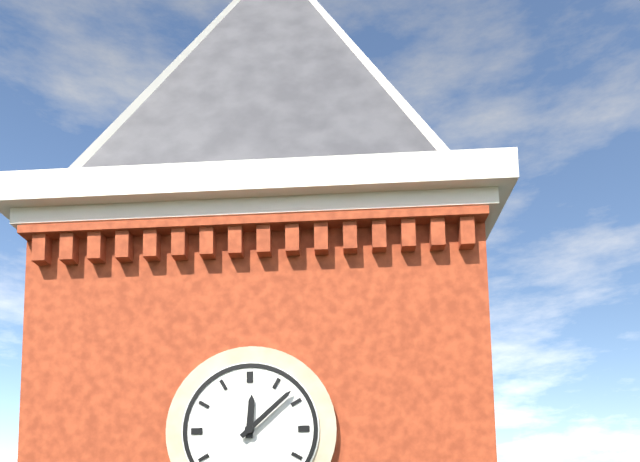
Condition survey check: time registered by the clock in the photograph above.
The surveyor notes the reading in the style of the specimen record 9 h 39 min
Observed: 12 h 08 min
